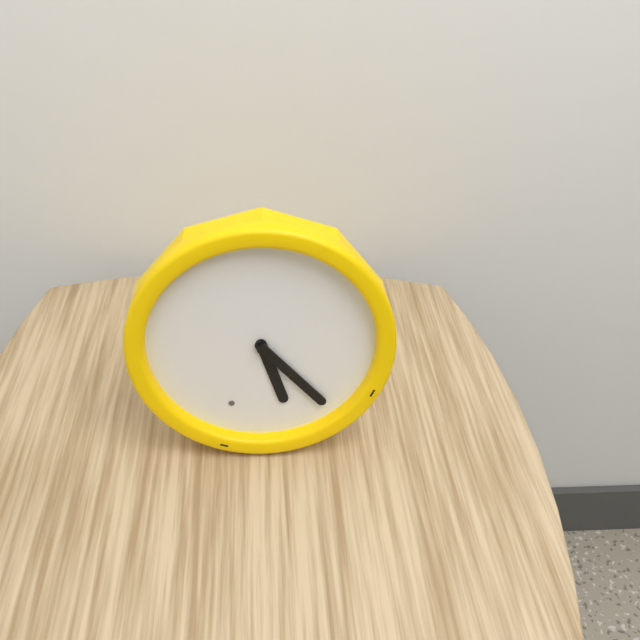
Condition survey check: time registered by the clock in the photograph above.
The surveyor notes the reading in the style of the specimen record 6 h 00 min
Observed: 5 h 23 min
